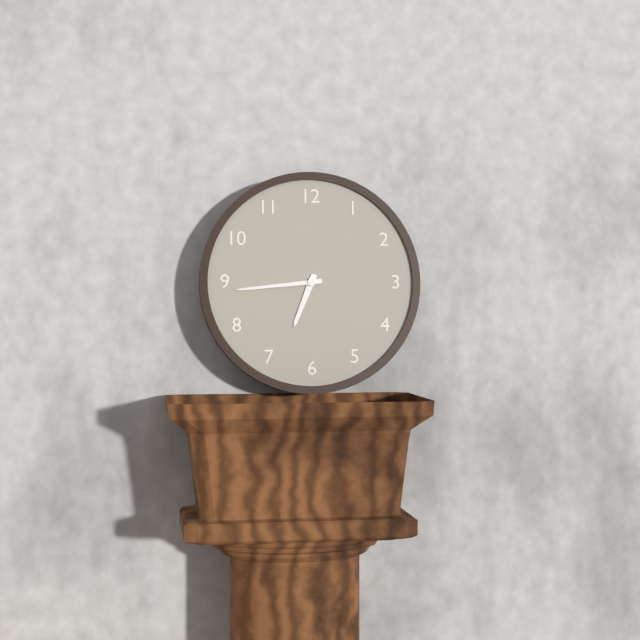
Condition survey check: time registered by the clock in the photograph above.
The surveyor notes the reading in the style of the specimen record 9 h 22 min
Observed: 6 h 44 min
